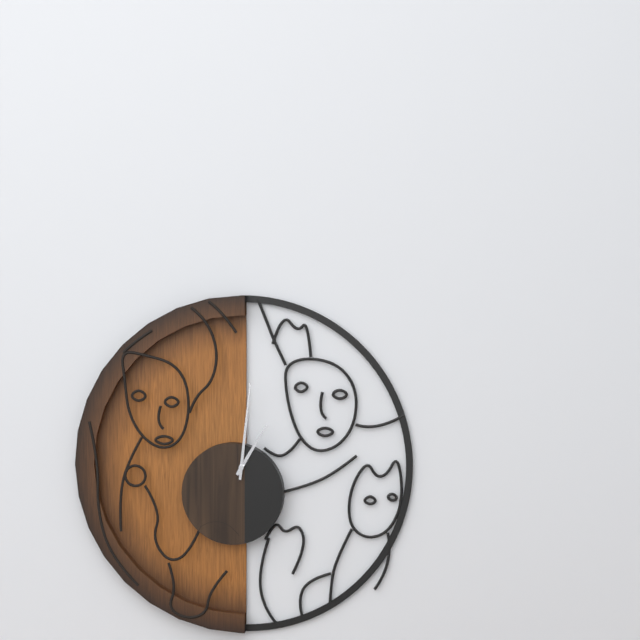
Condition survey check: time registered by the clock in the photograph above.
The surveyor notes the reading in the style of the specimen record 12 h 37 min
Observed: 1 h 01 min
